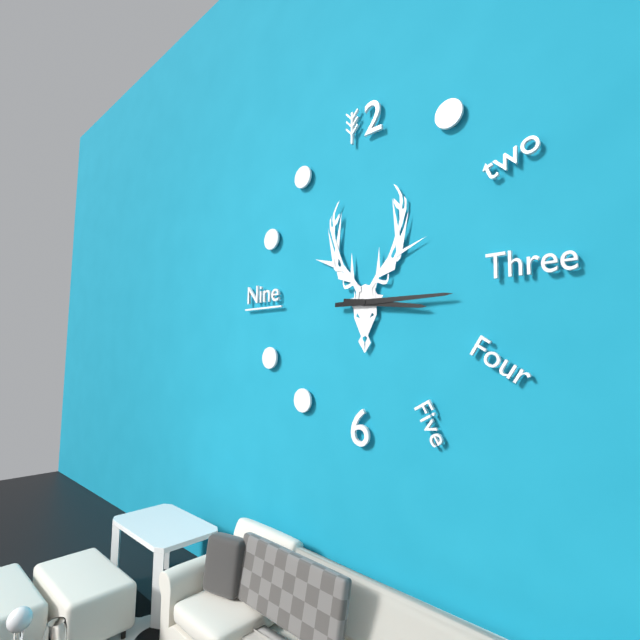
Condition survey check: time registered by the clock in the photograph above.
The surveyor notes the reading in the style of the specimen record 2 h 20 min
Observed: 3 h 15 min
